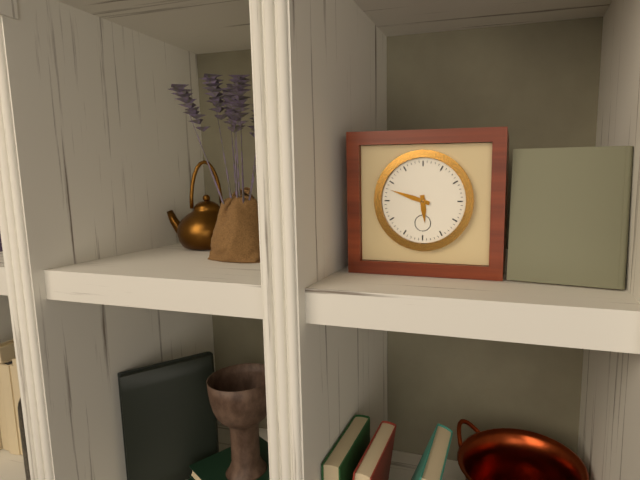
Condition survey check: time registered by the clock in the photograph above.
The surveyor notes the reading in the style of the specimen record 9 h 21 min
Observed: 5 h 48 min
